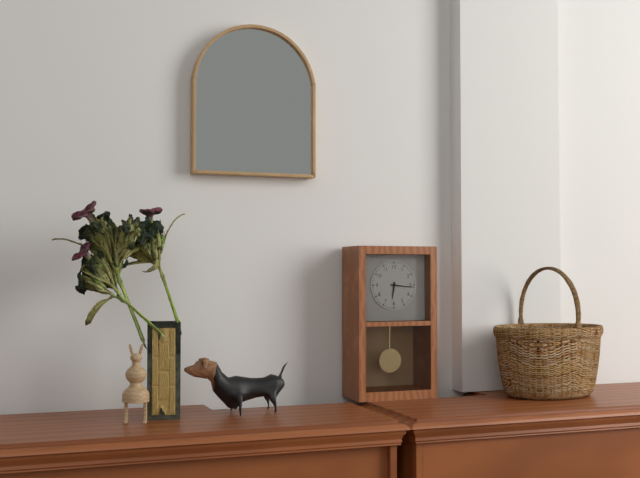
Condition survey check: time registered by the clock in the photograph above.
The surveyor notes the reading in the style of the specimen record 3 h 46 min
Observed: 6 h 16 min
